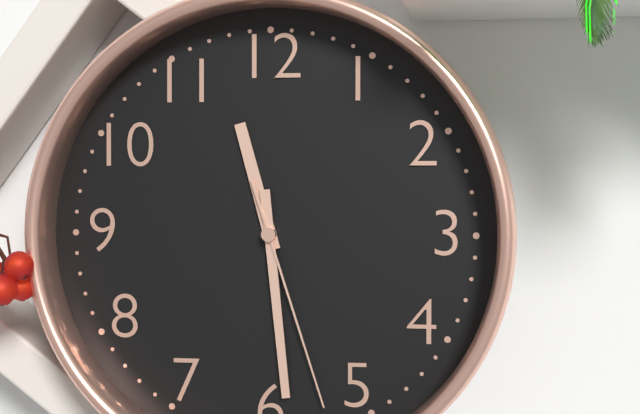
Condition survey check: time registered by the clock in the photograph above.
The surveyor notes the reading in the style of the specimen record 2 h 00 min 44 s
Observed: 11 h 29 min 27 s
